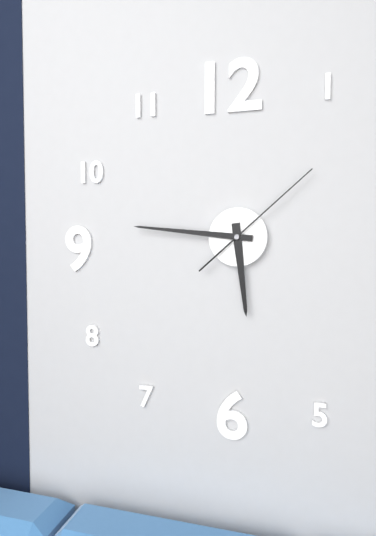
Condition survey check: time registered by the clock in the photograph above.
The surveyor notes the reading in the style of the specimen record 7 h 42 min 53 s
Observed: 5 h 46 min 08 s
